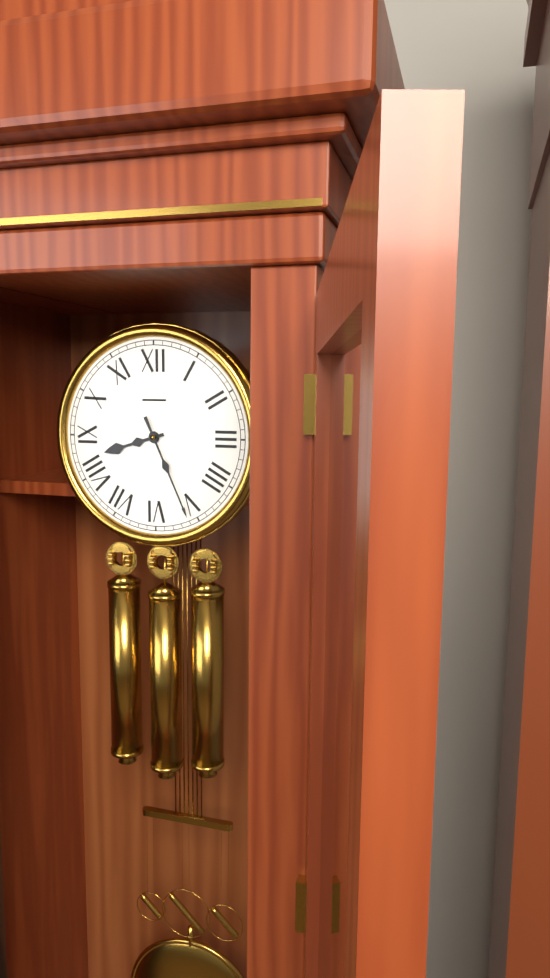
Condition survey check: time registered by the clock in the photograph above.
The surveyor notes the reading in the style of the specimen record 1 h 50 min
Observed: 8 h 26 min
